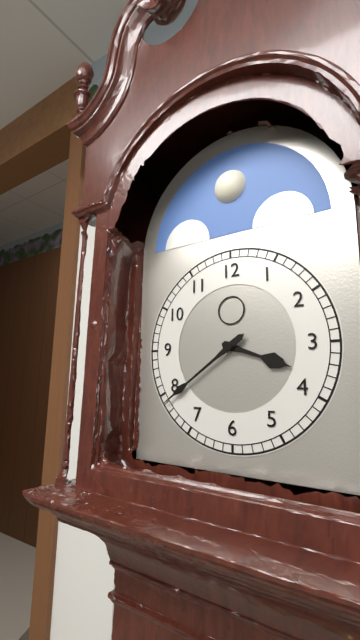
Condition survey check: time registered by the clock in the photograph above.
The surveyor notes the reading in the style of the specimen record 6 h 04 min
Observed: 3 h 39 min
